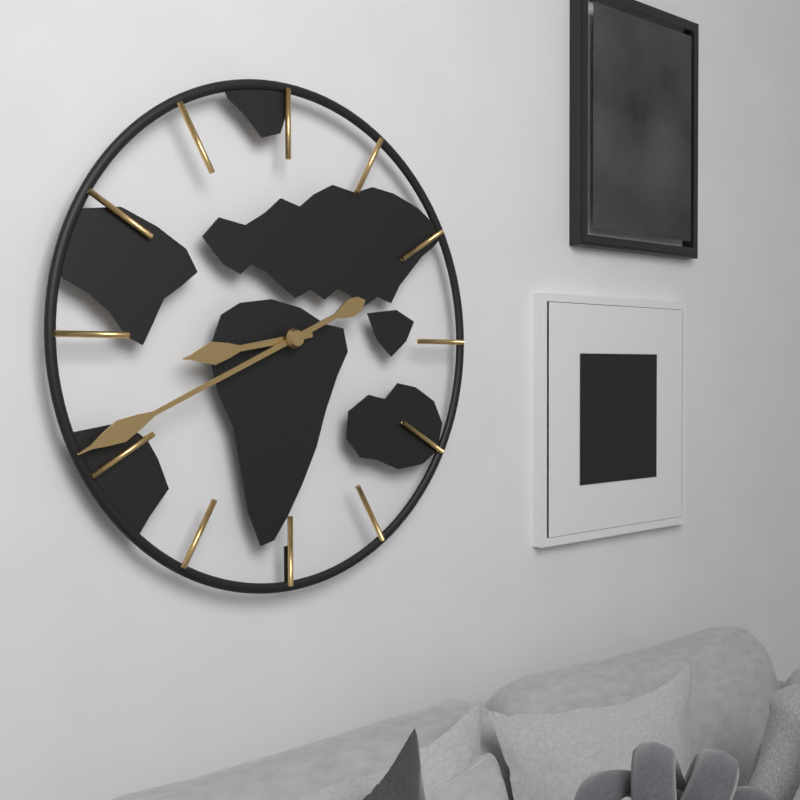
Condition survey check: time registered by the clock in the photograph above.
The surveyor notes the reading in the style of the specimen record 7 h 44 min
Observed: 8 h 41 min
